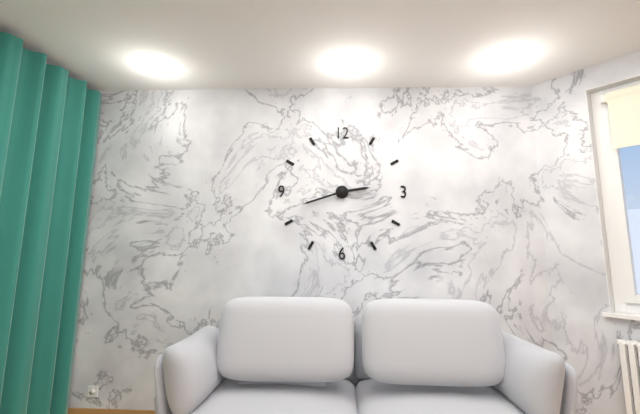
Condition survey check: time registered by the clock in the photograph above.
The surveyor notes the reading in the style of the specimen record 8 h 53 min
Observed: 2 h 42 min
